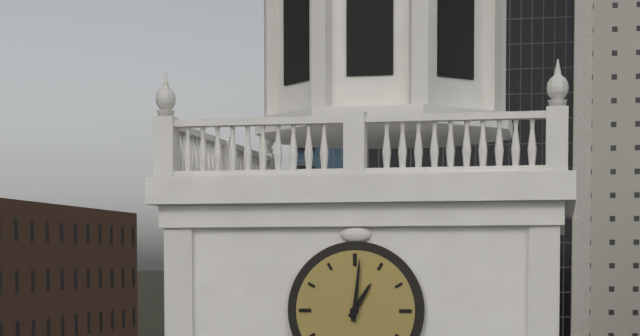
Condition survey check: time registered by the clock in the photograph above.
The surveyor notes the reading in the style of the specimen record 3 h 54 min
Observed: 1 h 01 min
